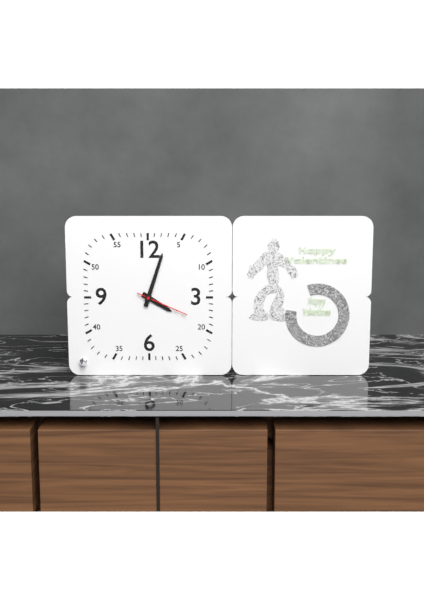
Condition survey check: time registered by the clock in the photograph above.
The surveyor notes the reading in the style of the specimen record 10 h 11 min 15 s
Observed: 4 h 03 min 19 s
